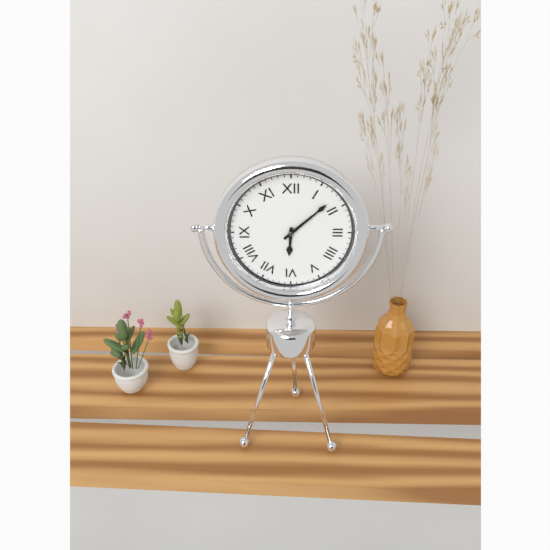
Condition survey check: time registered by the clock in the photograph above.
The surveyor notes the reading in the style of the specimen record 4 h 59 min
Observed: 6 h 08 min
